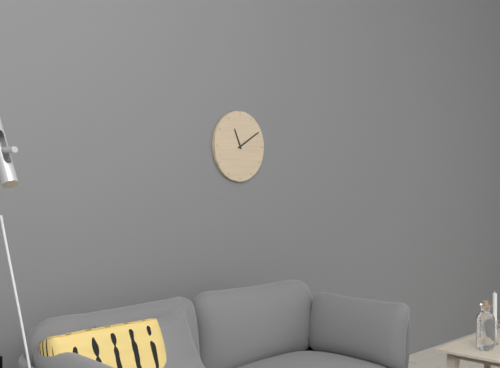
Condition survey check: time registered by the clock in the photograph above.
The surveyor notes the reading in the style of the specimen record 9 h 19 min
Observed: 11 h 10 min
